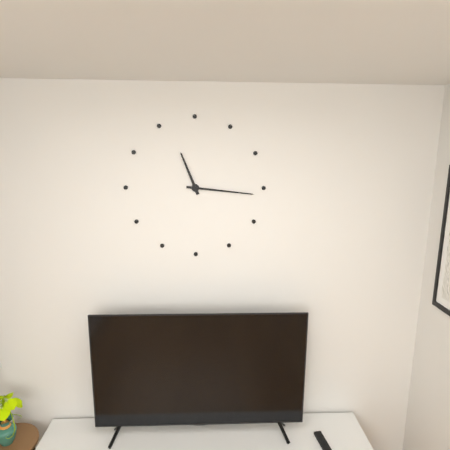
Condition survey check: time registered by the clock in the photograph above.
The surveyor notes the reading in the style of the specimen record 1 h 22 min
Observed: 11 h 16 min
